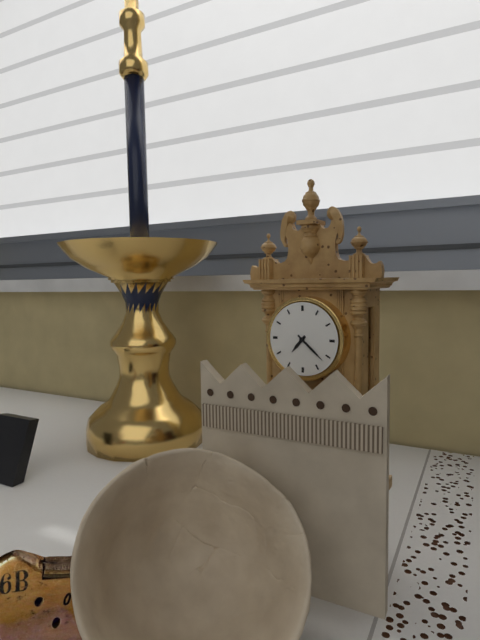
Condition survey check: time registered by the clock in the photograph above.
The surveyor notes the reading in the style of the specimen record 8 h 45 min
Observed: 7 h 22 min
